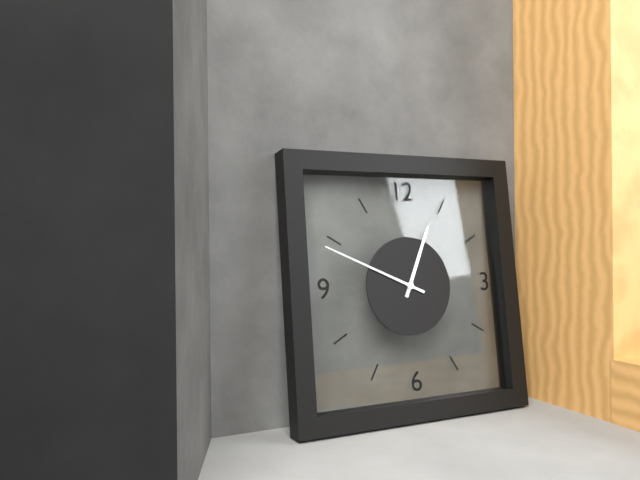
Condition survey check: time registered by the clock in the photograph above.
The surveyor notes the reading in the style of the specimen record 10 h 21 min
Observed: 12 h 49 min
